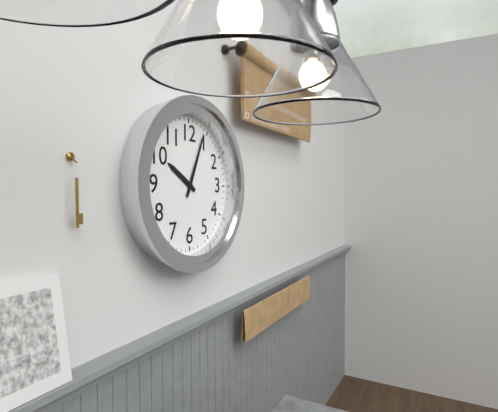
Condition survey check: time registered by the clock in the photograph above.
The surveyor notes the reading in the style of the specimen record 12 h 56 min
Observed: 10 h 04 min
